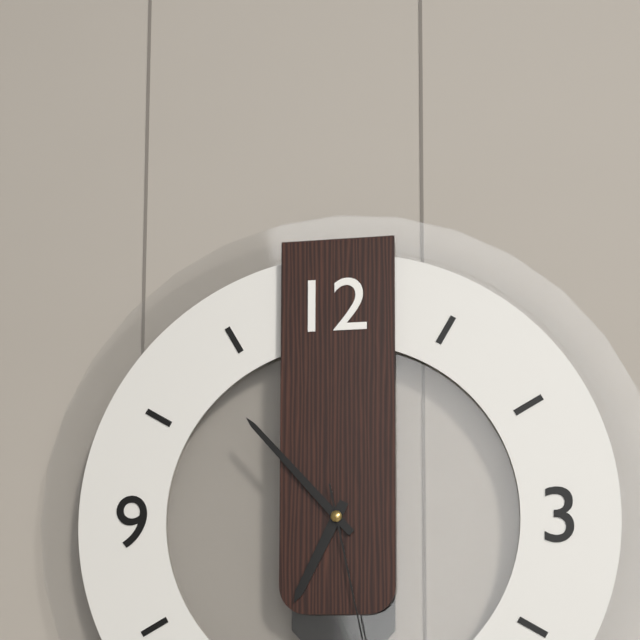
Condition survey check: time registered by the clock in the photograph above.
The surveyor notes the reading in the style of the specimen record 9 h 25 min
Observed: 6 h 53 min
